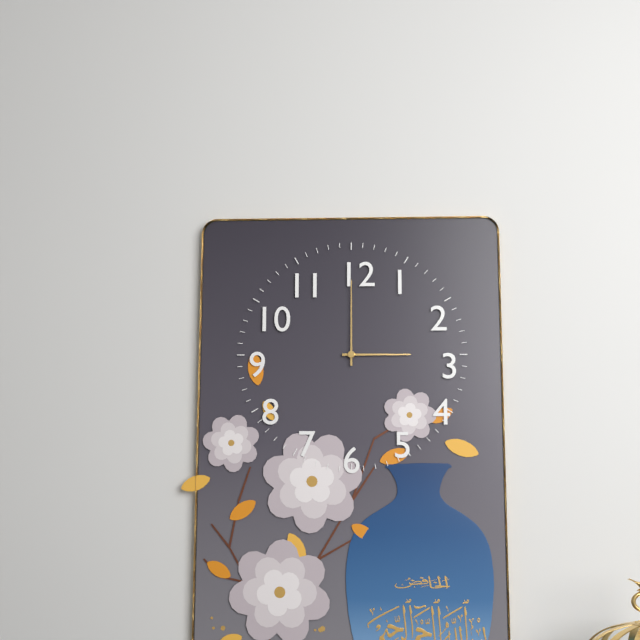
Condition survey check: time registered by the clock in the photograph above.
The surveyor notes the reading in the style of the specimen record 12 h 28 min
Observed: 3 h 00 min
